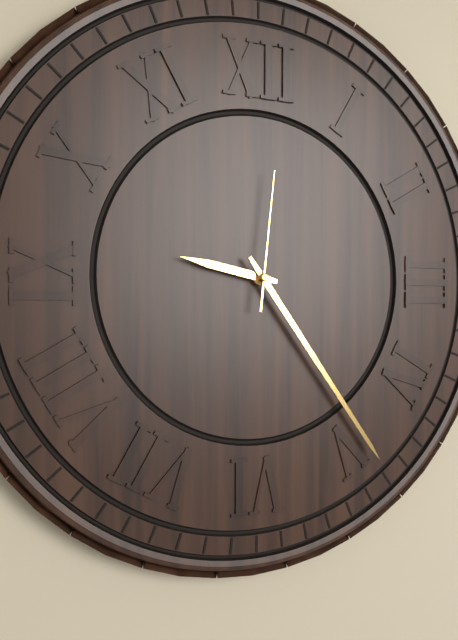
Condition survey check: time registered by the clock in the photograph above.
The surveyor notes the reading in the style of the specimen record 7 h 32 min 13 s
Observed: 9 h 24 min 01 s
